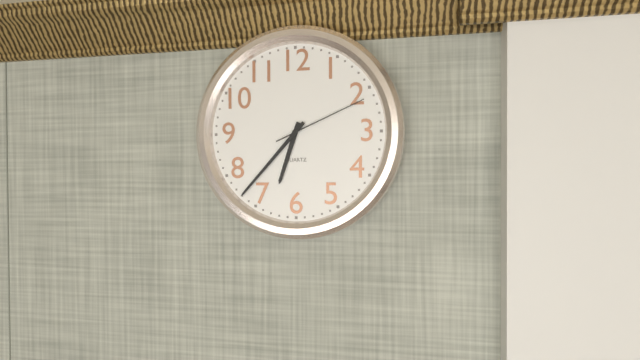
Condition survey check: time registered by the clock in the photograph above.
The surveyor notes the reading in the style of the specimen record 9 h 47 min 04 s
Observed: 6 h 37 min 11 s
